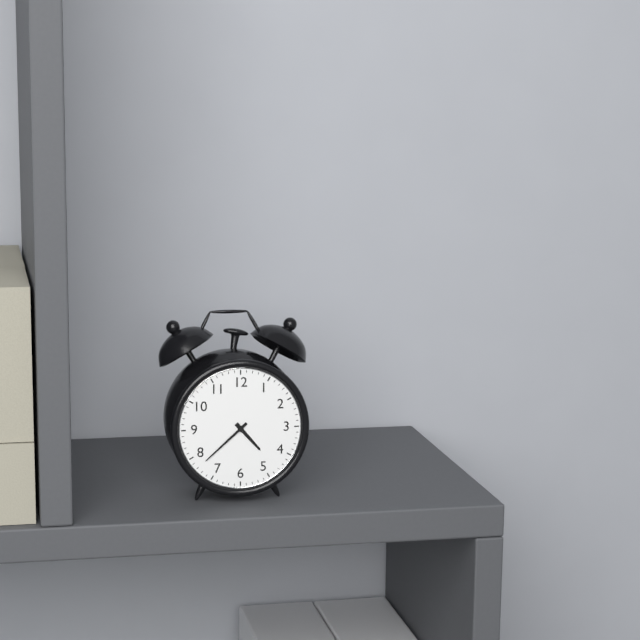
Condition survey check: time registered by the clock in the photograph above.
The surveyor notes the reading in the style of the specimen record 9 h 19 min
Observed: 4 h 38 min
